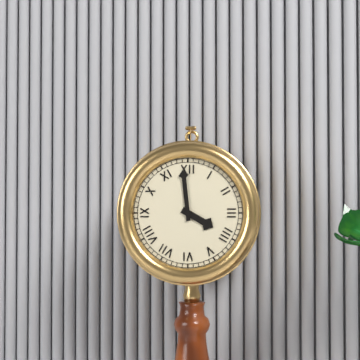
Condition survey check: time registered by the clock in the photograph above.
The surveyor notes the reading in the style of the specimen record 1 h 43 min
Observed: 3 h 59 min
